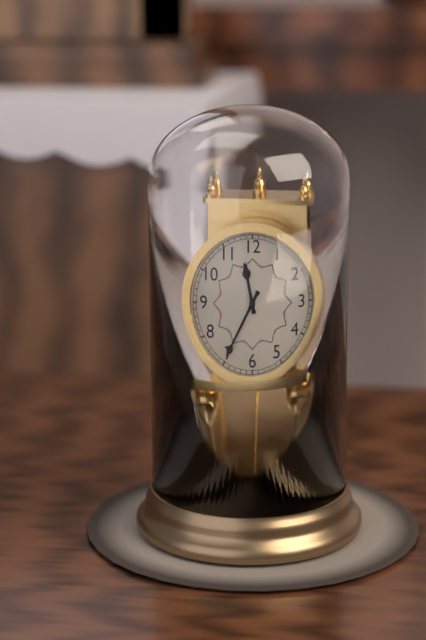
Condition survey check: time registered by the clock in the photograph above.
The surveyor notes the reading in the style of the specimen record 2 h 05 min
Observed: 11 h 35 min
